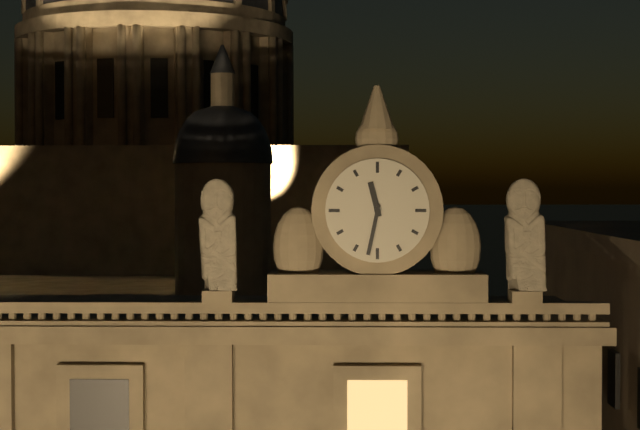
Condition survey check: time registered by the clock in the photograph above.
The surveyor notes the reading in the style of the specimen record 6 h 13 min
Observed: 11 h 32 min
